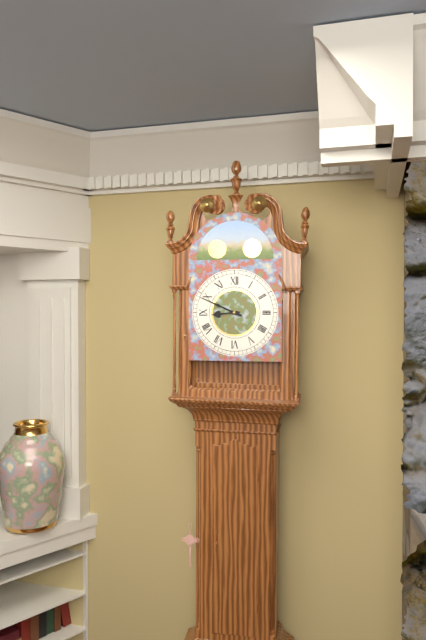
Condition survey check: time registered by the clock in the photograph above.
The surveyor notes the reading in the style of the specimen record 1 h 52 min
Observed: 8 h 49 min
